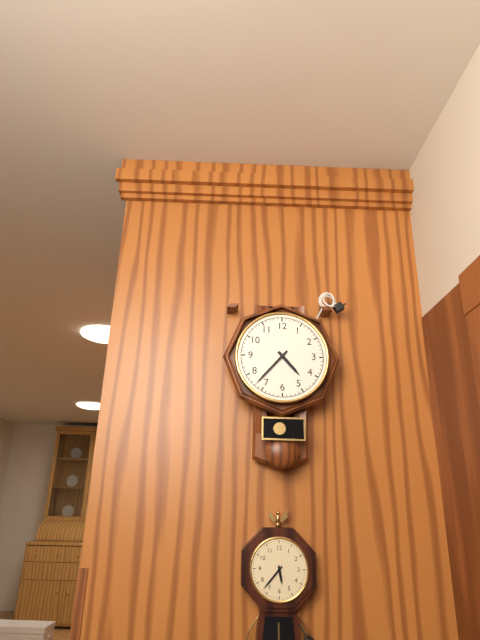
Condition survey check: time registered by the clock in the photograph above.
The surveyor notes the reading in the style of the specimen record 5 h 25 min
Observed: 4 h 37 min
